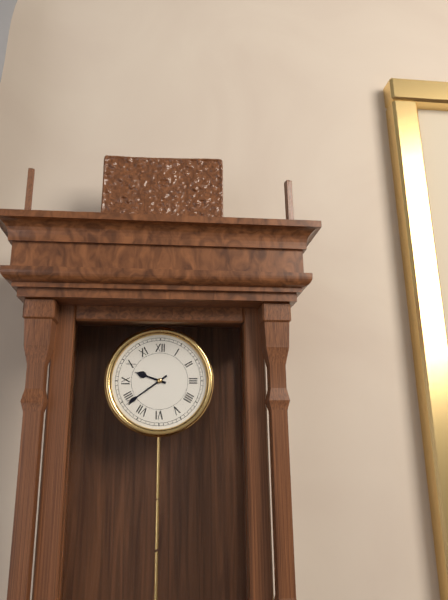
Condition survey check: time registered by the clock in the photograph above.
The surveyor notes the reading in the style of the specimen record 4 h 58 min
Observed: 9 h 39 min
